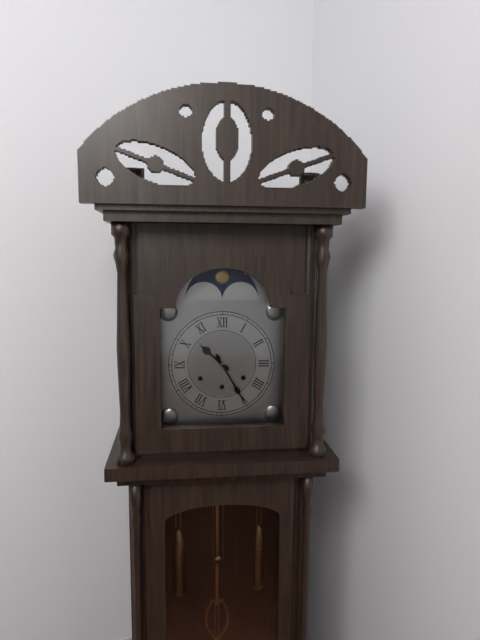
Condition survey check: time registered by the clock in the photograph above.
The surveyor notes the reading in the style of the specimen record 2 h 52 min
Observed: 10 h 25 min
